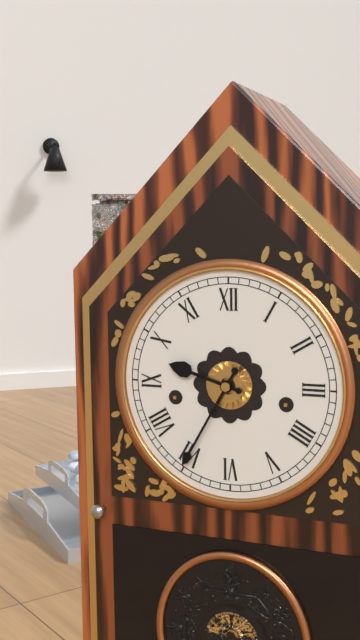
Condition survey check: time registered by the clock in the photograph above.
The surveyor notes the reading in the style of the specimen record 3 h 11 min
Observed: 9 h 35 min
